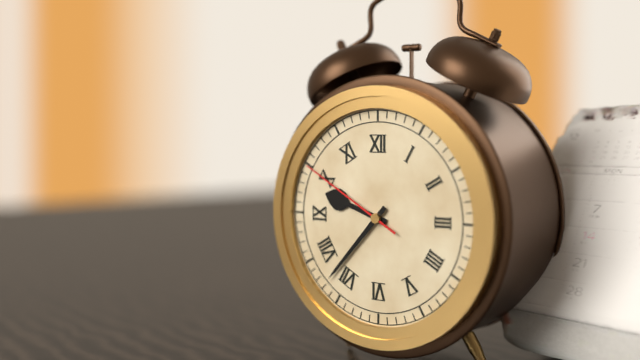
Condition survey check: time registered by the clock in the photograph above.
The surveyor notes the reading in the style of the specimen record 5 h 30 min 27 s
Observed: 9 h 37 min 50 s
